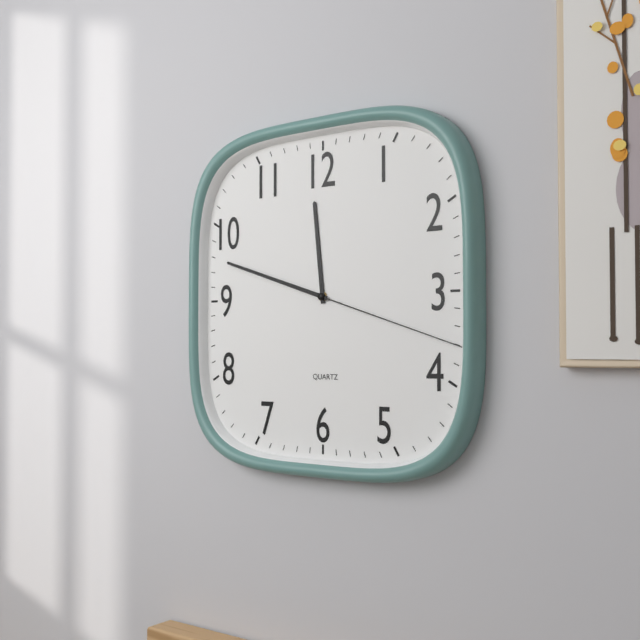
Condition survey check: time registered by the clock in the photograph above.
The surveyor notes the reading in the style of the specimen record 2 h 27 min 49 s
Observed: 11 h 48 min 18 s
